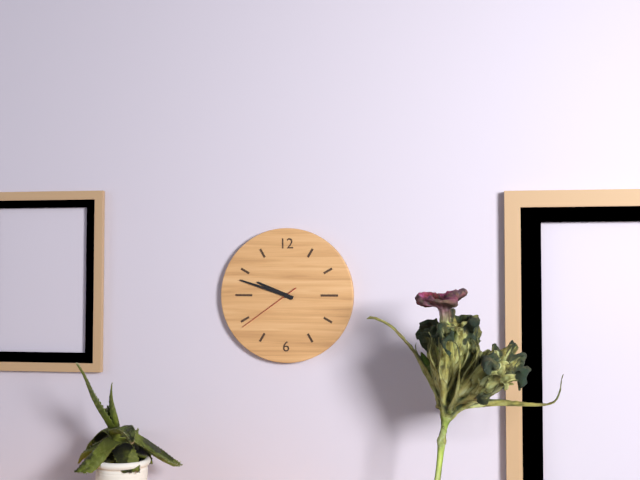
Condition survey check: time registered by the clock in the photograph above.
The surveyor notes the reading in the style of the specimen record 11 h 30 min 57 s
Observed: 9 h 48 min 39 s
